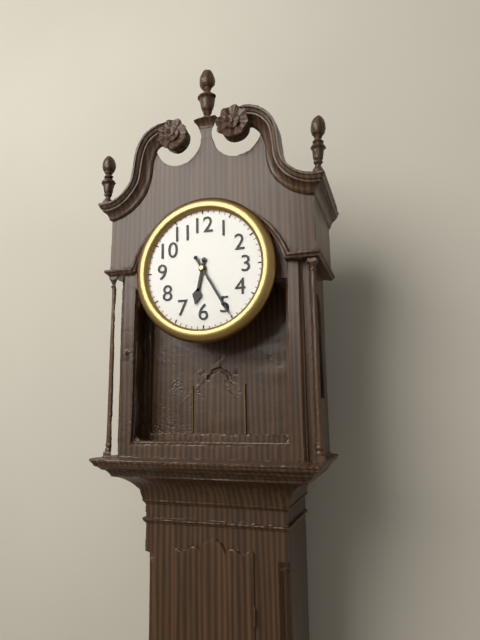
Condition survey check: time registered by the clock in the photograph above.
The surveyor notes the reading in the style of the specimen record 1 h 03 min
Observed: 6 h 25 min
